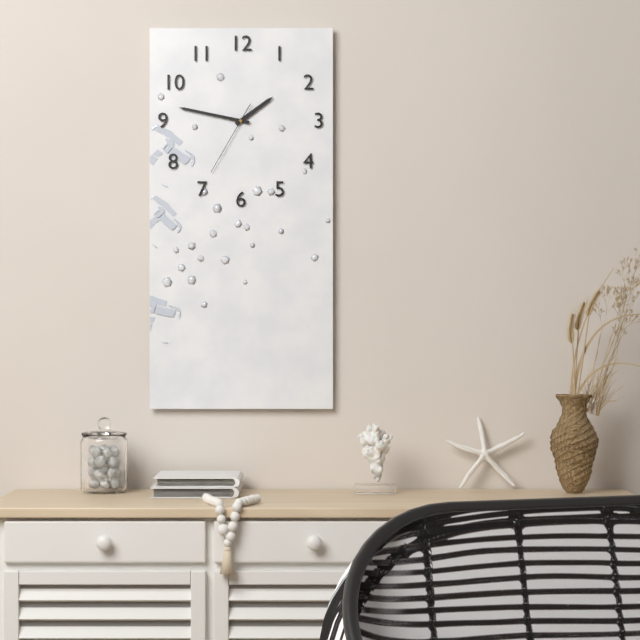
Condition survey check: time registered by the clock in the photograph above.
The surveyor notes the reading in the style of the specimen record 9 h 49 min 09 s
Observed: 1 h 47 min 35 s
